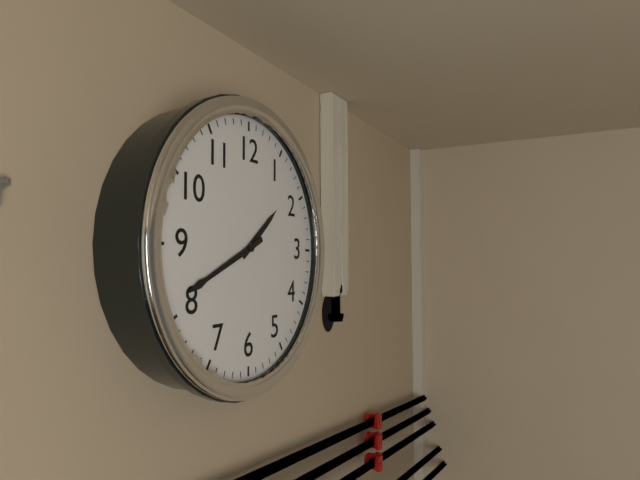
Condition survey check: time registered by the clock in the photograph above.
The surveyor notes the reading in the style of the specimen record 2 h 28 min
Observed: 1 h 41 min
